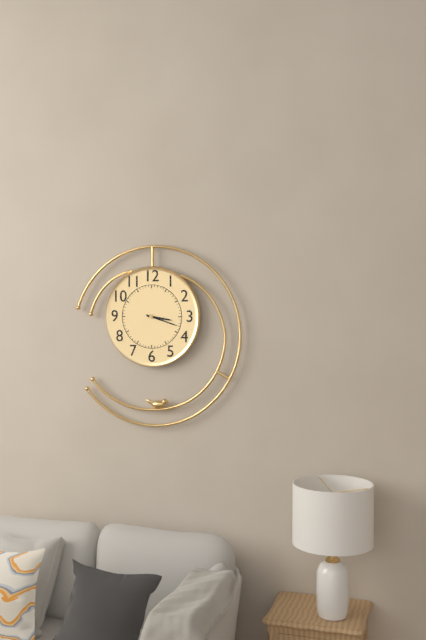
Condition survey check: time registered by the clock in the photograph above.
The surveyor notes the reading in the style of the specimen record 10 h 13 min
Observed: 3 h 18 min
